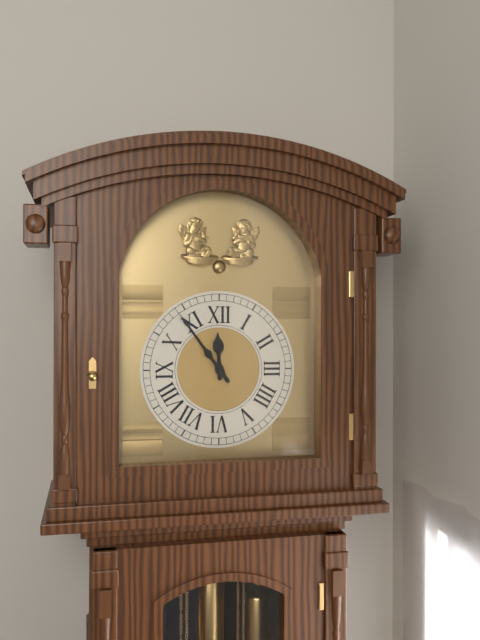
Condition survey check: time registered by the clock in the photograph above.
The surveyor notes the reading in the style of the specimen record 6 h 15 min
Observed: 11 h 54 min
